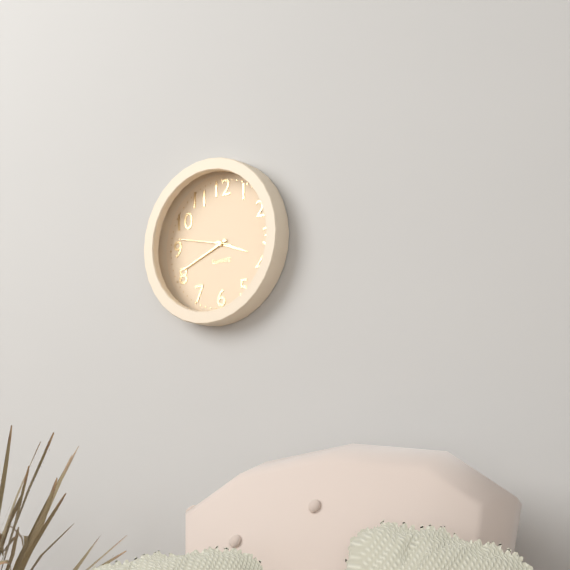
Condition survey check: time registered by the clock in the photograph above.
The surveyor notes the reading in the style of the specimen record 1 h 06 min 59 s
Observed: 3 h 41 min 47 s
